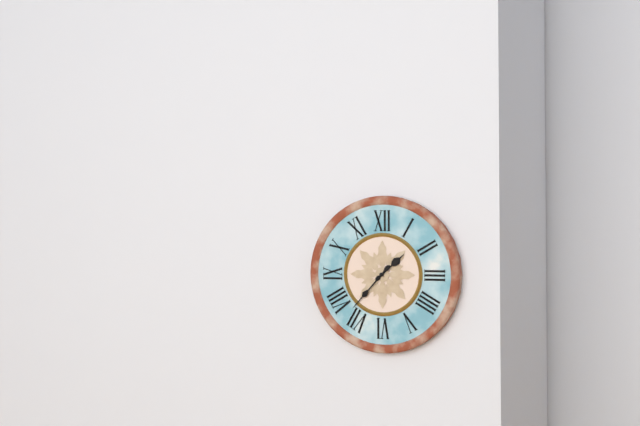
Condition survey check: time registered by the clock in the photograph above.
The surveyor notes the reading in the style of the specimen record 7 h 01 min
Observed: 1 h 37 min
